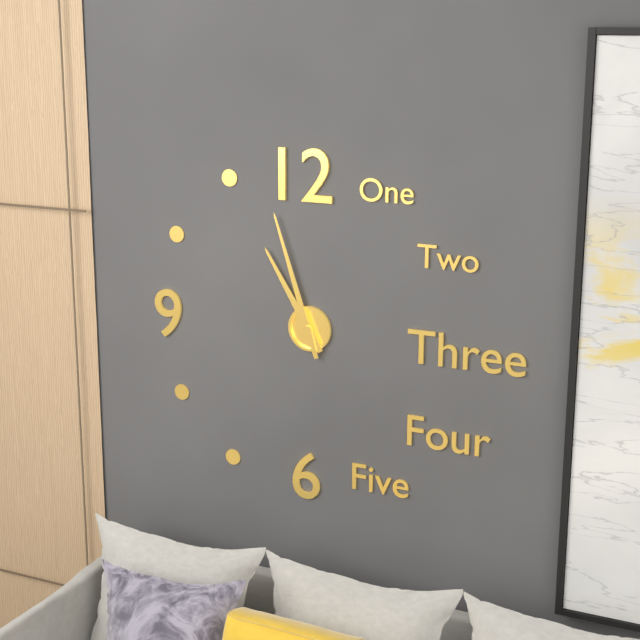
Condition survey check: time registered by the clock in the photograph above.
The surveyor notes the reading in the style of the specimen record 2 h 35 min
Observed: 10 h 57 min
